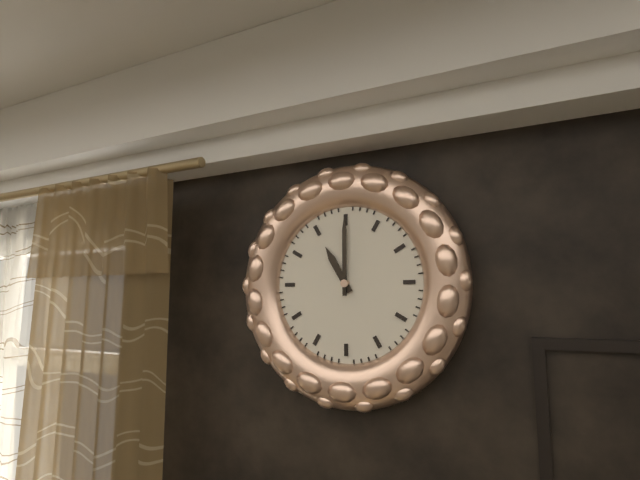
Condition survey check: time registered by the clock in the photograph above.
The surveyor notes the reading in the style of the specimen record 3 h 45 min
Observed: 11 h 00 min
